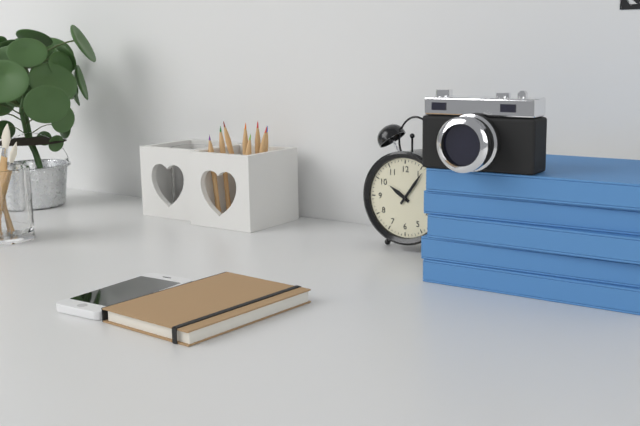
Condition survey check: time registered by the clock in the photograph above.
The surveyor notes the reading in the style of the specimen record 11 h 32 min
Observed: 10 h 06 min
